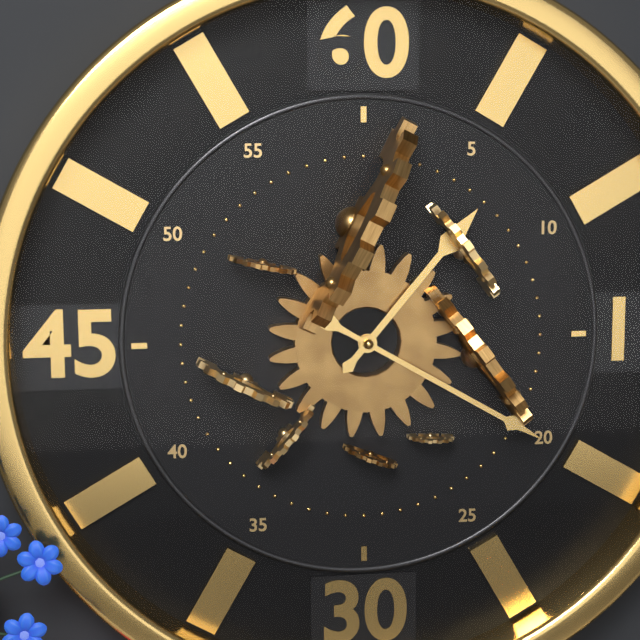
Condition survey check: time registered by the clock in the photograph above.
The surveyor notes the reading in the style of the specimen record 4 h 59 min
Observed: 1 h 20 min
